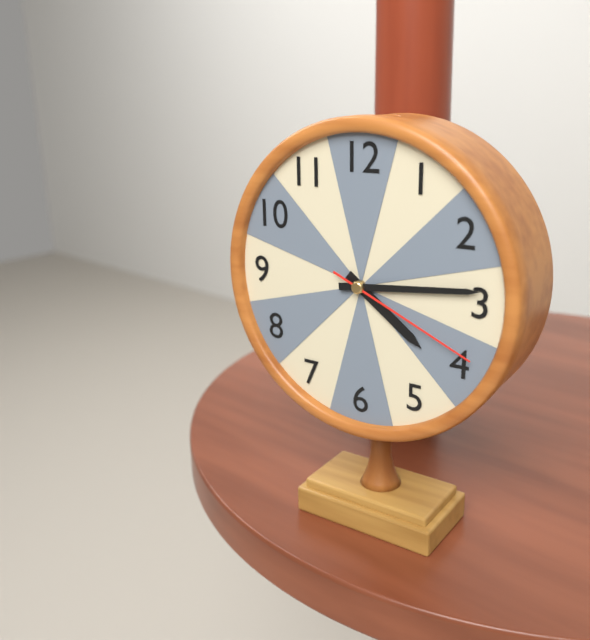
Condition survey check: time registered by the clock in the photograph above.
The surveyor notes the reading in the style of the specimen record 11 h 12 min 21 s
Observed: 4 h 14 min 19 s
